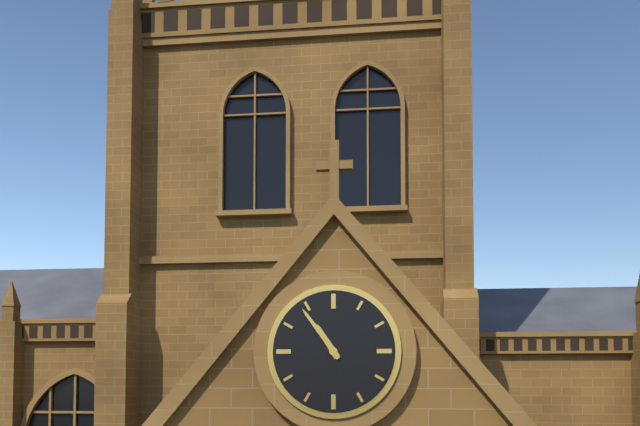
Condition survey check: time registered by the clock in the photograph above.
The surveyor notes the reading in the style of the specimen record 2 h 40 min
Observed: 10 h 54 min
